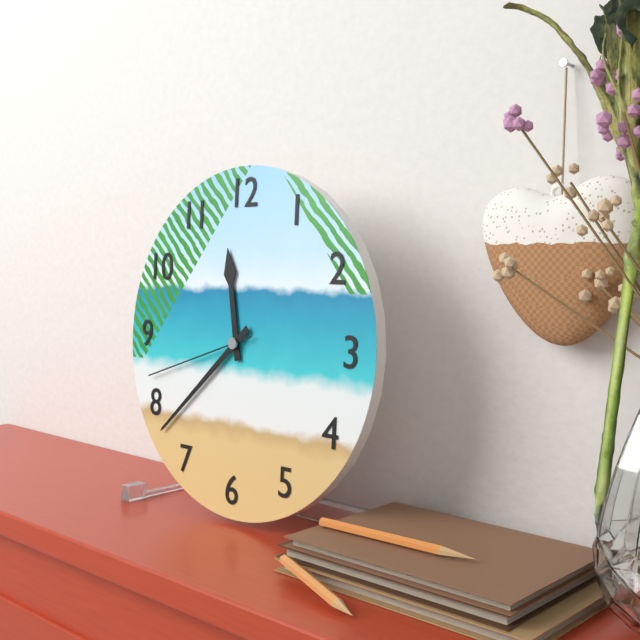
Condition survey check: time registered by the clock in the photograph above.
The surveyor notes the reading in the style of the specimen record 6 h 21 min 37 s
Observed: 11 h 38 min 42 s
